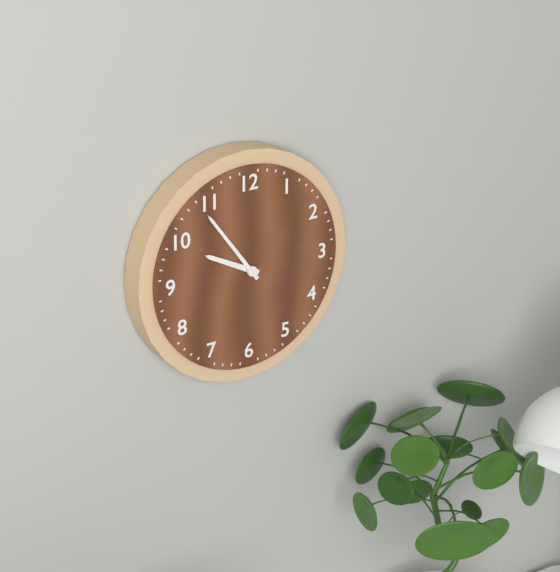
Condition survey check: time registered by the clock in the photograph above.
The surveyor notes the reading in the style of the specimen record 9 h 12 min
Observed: 9 h 54 min
